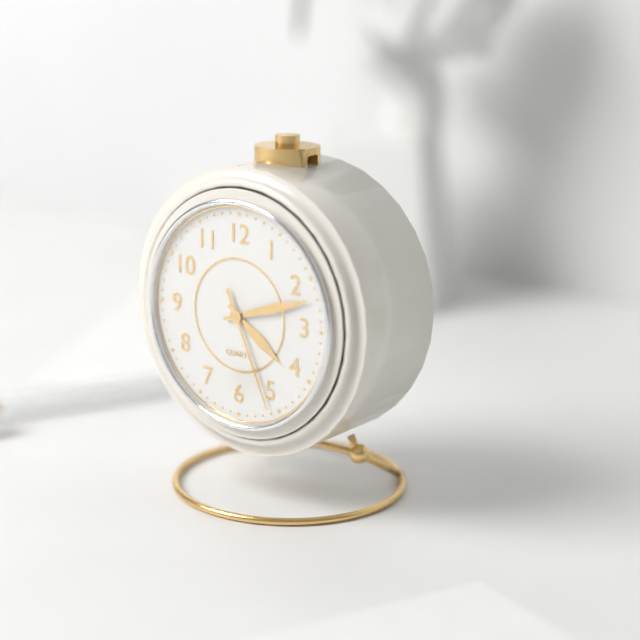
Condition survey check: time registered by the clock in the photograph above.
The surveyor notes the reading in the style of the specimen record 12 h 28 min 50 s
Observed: 4 h 12 min 26 s
